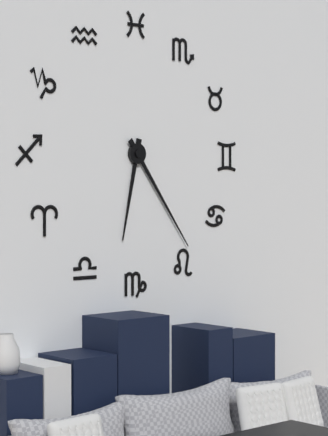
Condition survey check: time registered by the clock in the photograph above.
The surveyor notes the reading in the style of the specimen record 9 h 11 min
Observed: 6 h 24 min
